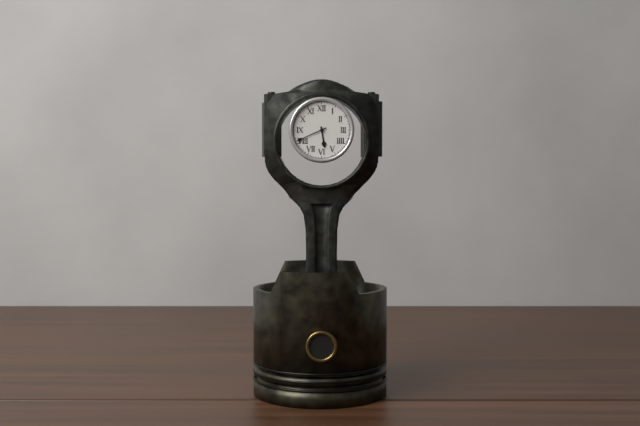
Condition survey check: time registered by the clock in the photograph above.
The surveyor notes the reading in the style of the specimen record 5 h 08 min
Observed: 5 h 41 min
